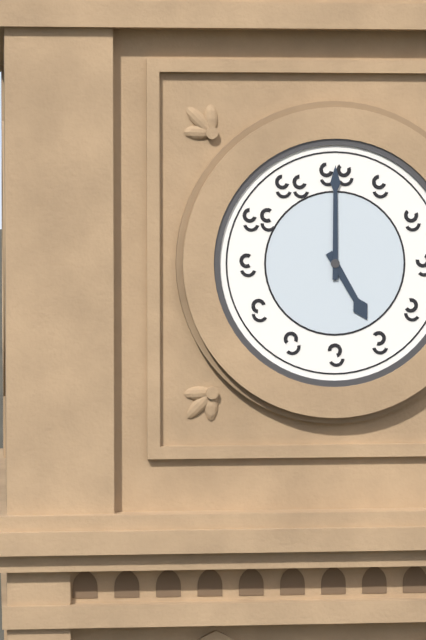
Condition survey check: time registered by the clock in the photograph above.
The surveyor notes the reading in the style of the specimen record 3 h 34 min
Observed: 5 h 00 min
